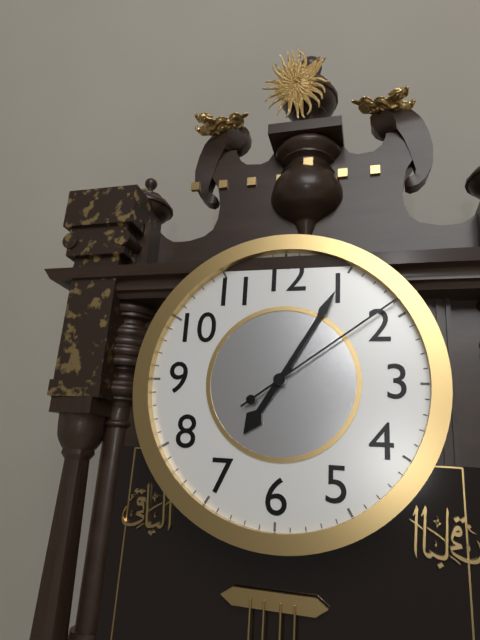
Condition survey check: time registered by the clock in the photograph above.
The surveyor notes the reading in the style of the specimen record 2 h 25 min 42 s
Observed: 7 h 05 min 09 s
